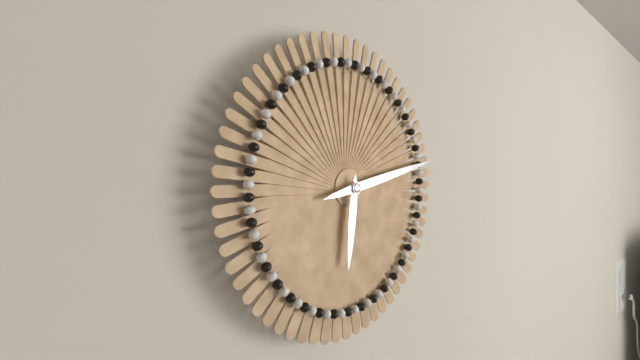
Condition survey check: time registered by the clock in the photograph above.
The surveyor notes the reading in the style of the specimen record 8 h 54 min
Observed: 6 h 13 min
